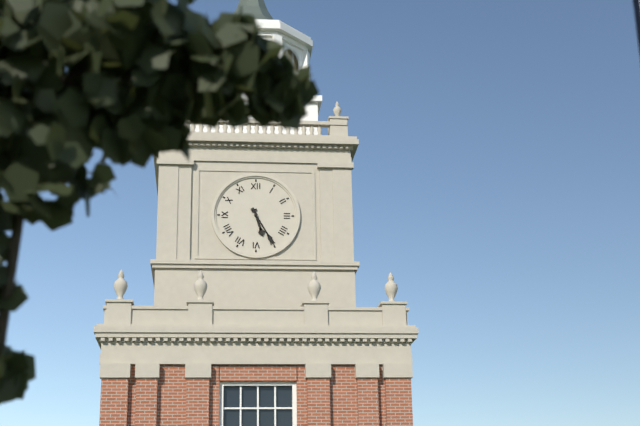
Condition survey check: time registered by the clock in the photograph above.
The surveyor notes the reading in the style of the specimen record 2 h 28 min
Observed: 5 h 25 min
